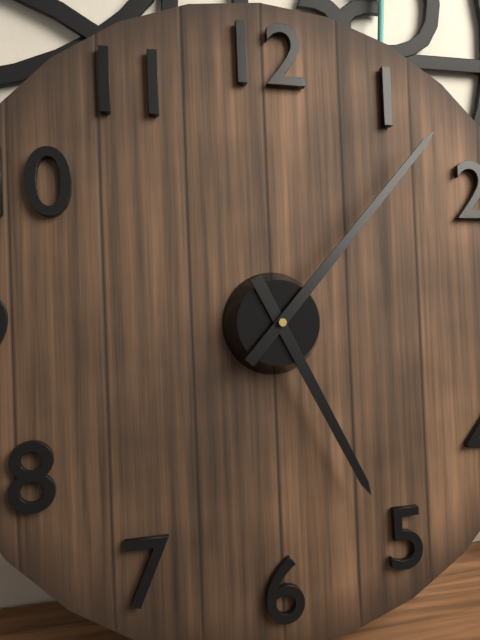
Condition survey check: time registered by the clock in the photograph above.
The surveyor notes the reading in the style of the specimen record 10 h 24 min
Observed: 5 h 07 min
